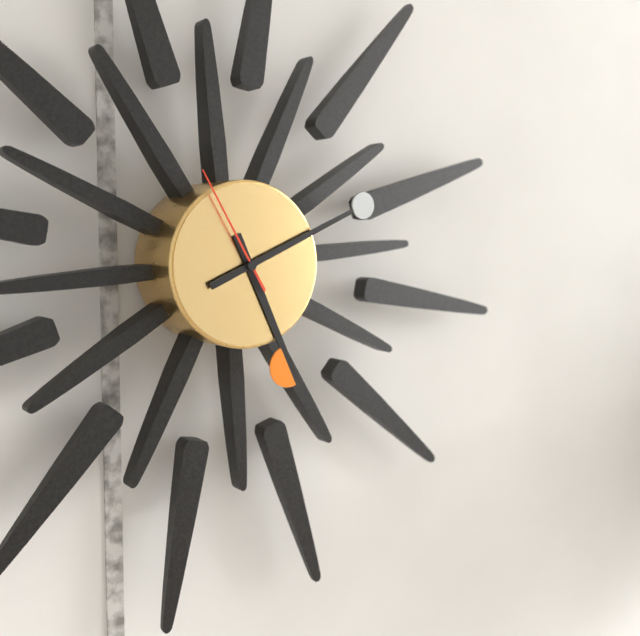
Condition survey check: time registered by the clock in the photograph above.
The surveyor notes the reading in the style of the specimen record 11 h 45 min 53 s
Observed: 5 h 11 min 55 s
